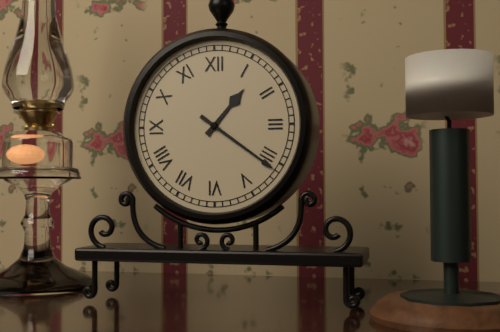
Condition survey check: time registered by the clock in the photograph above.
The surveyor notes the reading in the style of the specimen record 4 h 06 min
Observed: 1 h 21 min
